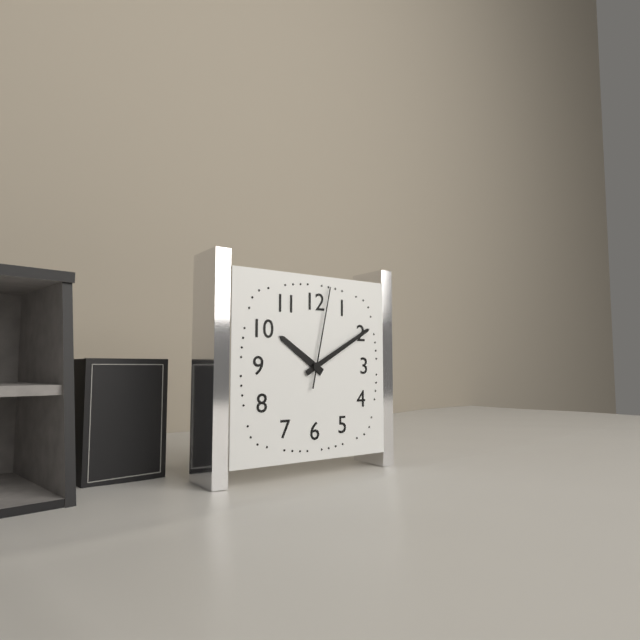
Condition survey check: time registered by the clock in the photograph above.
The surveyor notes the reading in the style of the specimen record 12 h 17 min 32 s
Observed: 10 h 10 min 02 s
